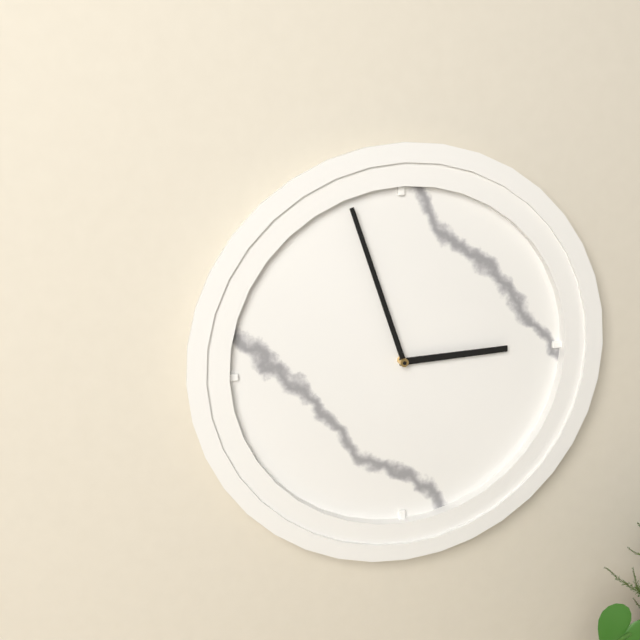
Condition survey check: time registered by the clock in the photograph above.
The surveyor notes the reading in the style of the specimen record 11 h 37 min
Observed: 2 h 57 min
